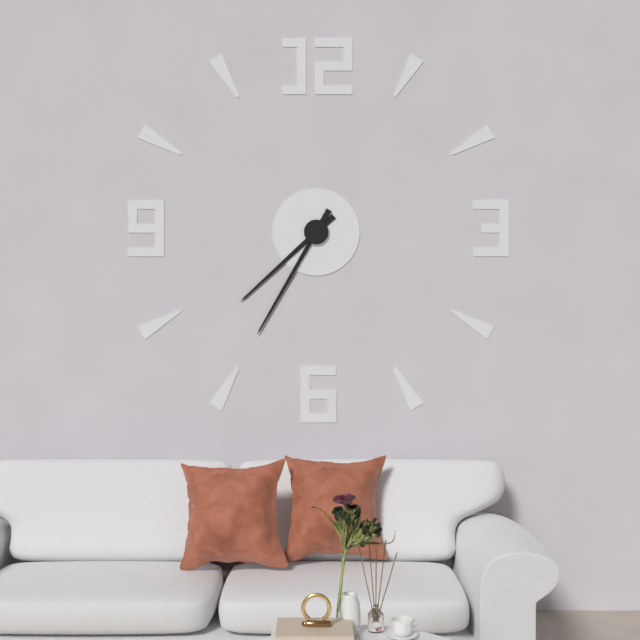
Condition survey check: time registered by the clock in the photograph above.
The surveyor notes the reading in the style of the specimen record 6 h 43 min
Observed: 7 h 35 min
